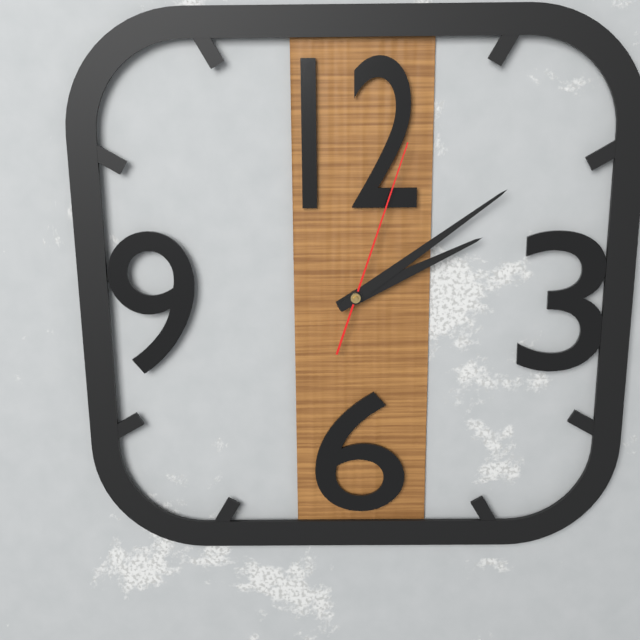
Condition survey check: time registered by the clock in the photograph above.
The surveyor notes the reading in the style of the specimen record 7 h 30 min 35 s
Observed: 2 h 09 min 03 s
